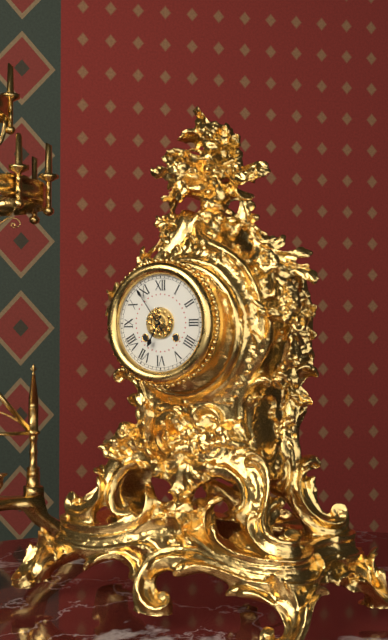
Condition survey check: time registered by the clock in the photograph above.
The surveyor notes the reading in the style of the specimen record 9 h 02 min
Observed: 6 h 54 min
